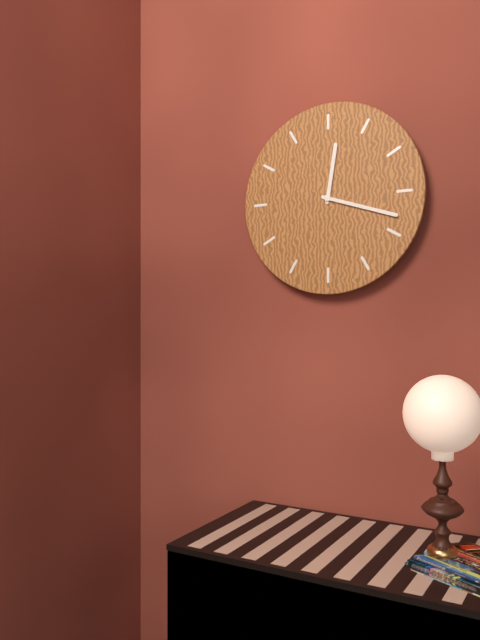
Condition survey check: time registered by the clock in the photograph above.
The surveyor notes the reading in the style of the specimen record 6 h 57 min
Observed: 12 h 18 min
